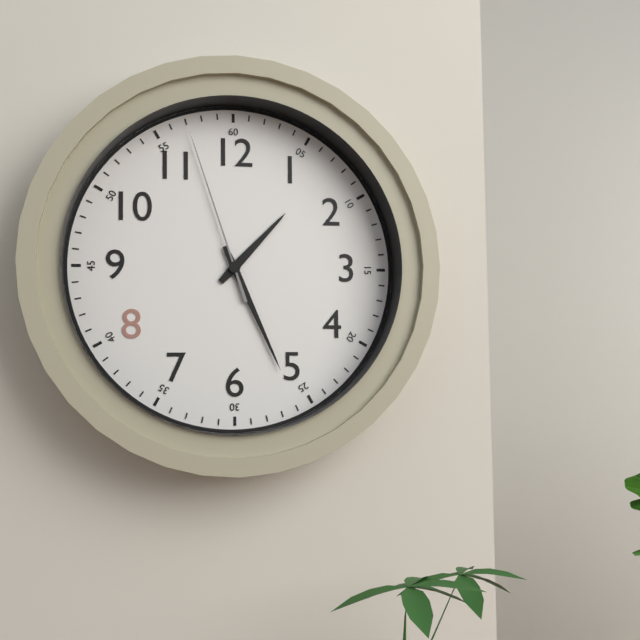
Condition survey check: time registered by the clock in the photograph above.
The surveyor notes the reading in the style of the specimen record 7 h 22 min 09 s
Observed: 1 h 26 min 57 s
